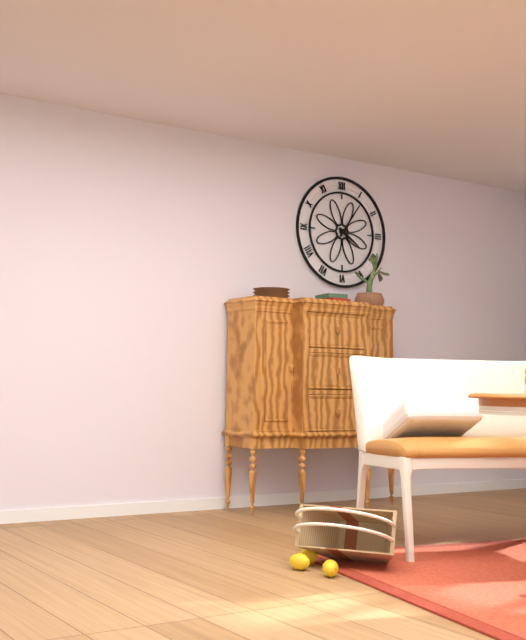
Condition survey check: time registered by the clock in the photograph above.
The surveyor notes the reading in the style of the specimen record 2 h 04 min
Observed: 4 h 06 min
